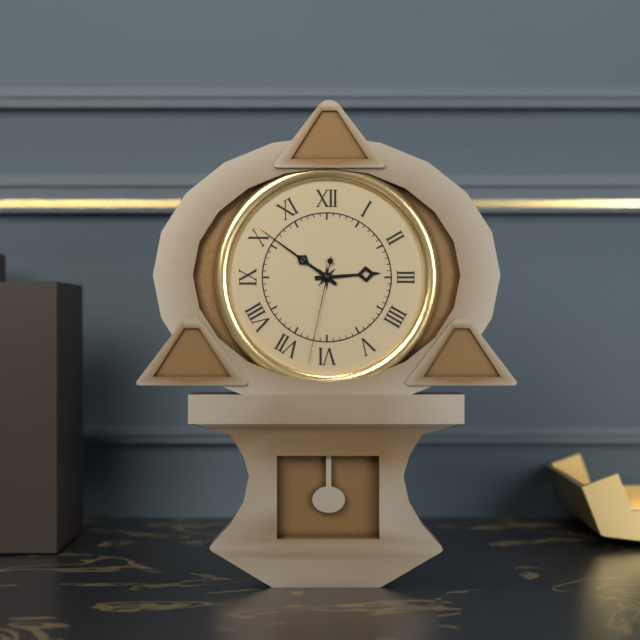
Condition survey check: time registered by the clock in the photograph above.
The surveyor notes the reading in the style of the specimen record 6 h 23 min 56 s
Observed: 2 h 51 min 32 s
